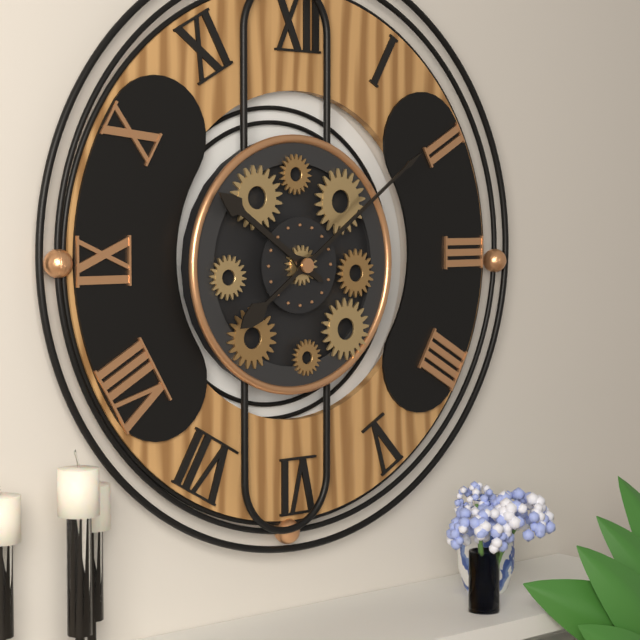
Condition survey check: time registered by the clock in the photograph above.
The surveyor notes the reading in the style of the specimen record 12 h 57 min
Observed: 10 h 09 min
